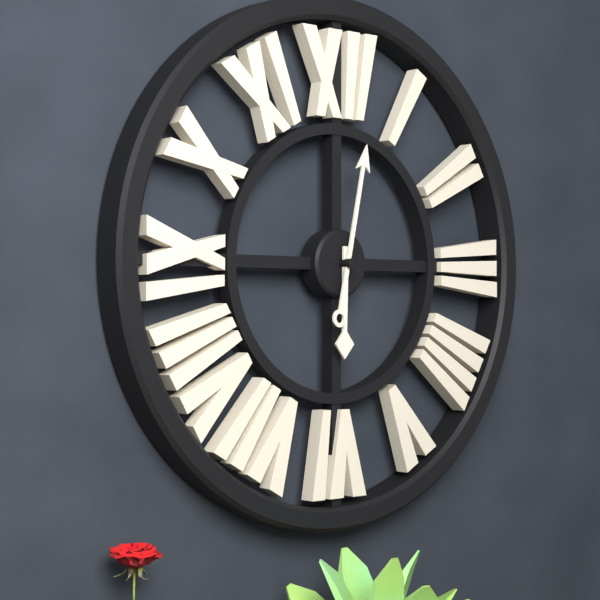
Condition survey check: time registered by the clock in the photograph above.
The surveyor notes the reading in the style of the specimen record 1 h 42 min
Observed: 6 h 02 min
